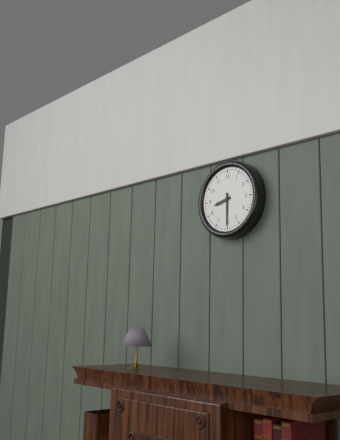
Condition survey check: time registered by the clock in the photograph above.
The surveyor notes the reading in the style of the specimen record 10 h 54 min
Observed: 8 h 30 min
